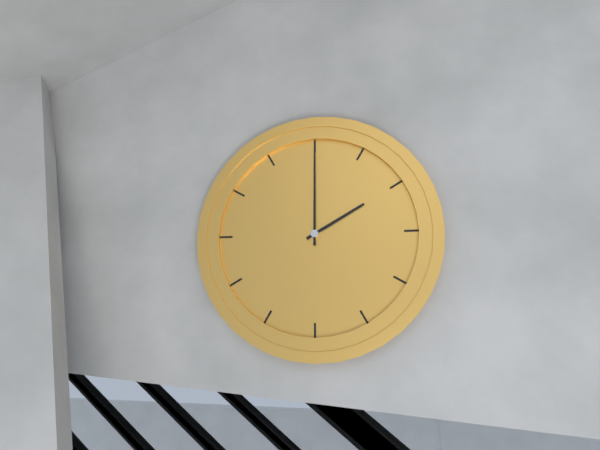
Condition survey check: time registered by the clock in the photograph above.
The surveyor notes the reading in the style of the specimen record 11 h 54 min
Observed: 2 h 00 min
